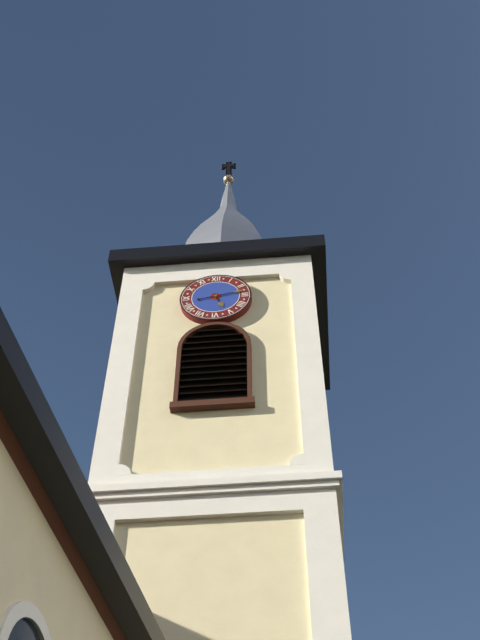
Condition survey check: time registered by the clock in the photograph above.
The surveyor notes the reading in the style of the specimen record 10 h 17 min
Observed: 5 h 13 min
